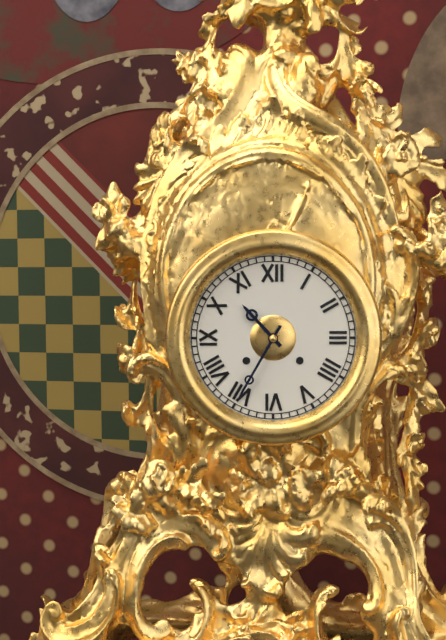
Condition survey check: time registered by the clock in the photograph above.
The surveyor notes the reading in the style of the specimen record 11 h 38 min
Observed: 10 h 35 min
